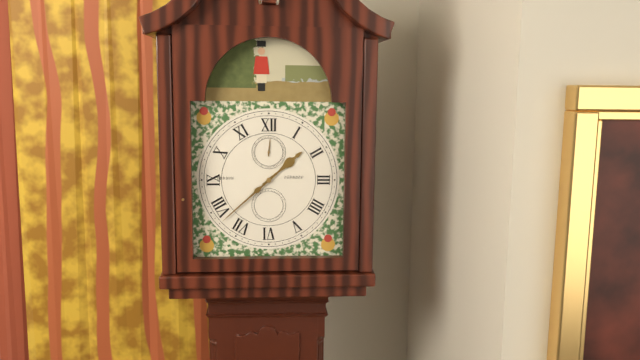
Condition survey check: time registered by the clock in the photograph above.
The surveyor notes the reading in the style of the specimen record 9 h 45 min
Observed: 1 h 38 min
